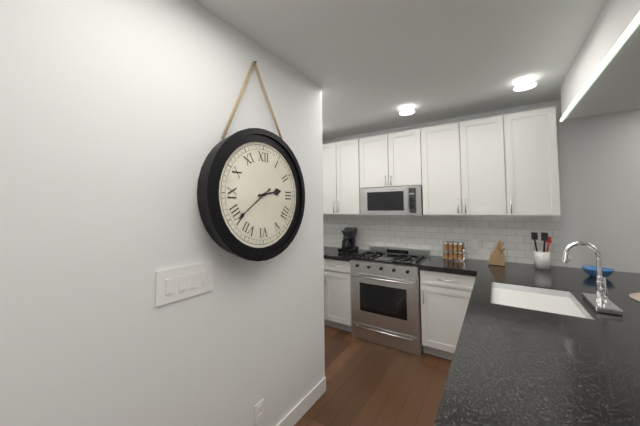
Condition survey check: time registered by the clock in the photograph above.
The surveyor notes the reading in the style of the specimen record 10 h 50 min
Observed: 2 h 39 min
